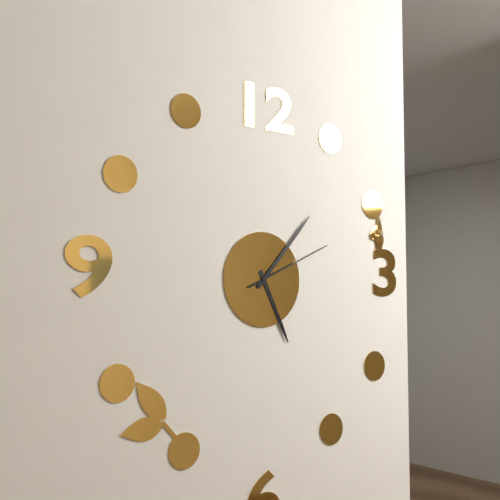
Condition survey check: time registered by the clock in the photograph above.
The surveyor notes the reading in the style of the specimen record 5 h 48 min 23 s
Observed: 5 h 07 min 11 s
